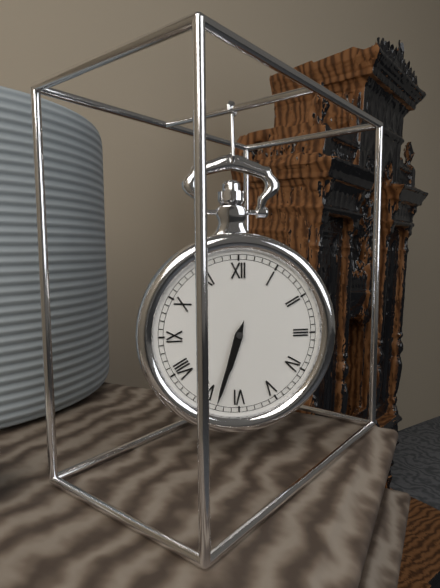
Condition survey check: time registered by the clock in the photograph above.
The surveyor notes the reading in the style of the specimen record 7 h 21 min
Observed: 6 h 33 min
